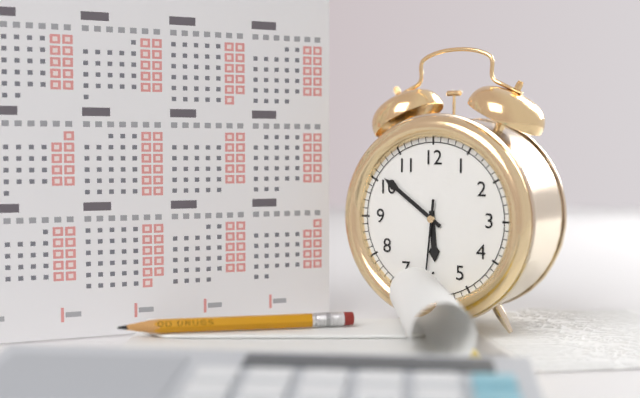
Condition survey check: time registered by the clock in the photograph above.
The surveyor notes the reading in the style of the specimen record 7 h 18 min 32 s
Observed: 5 h 51 min 31 s
